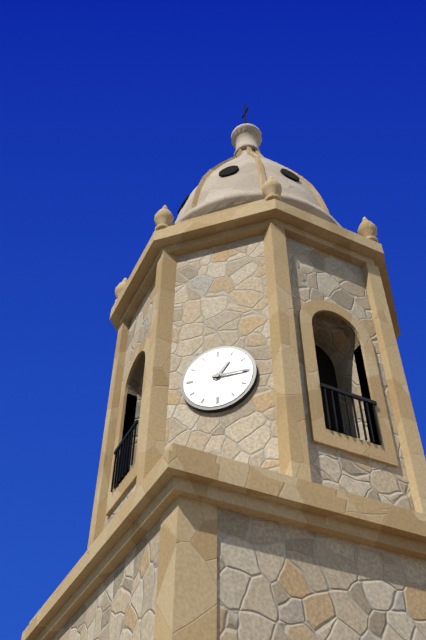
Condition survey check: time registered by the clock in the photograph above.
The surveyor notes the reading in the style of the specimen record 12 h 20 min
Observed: 1 h 15 min
